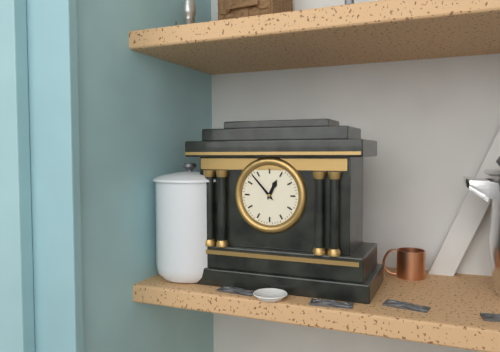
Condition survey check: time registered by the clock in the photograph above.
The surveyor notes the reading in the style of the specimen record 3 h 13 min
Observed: 12 h 53 min
